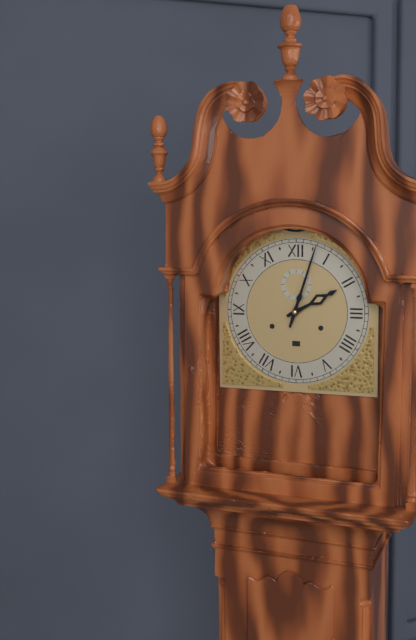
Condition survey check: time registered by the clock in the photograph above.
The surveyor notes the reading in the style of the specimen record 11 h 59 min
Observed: 2 h 03 min
